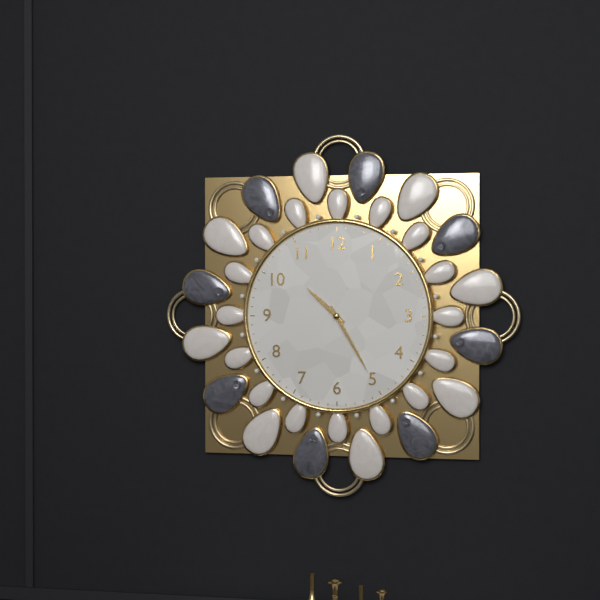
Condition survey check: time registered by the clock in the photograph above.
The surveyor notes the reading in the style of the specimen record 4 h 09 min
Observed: 10 h 25 min
